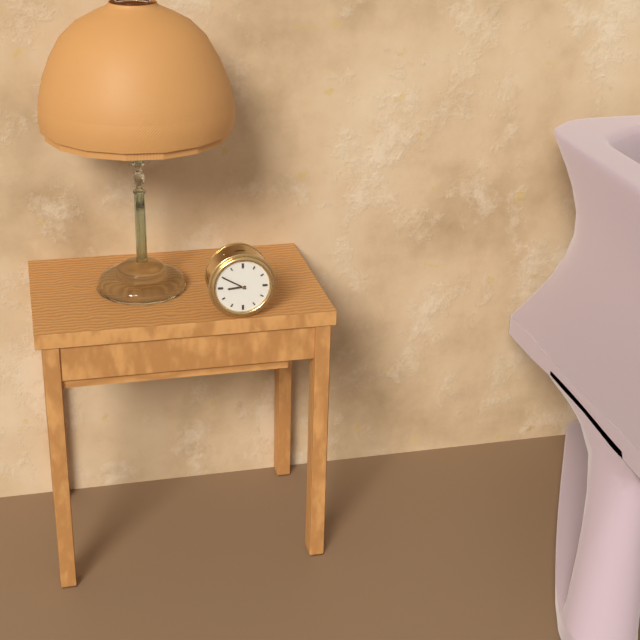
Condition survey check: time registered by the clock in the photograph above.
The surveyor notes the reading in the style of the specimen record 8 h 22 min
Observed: 8 h 50 min
